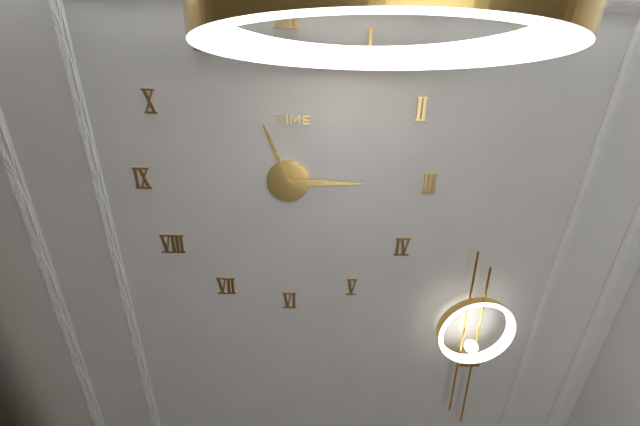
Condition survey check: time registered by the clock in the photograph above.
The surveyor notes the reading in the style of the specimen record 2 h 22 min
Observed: 11 h 15 min
